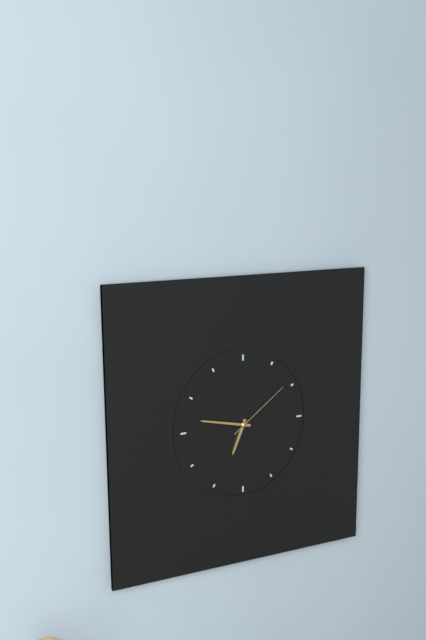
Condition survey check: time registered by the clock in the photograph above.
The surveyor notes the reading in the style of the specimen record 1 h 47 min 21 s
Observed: 6 h 47 min 09 s
